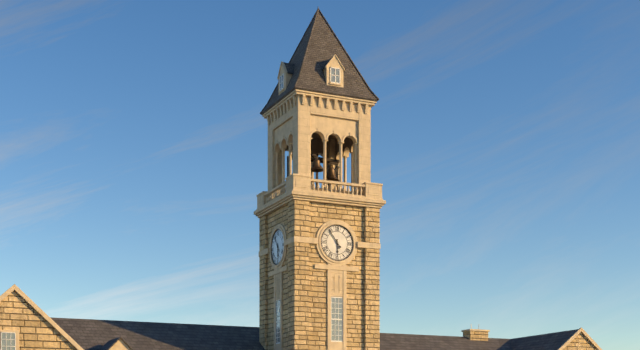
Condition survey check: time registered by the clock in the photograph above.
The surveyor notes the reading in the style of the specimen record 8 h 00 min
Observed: 5 h 54 min
